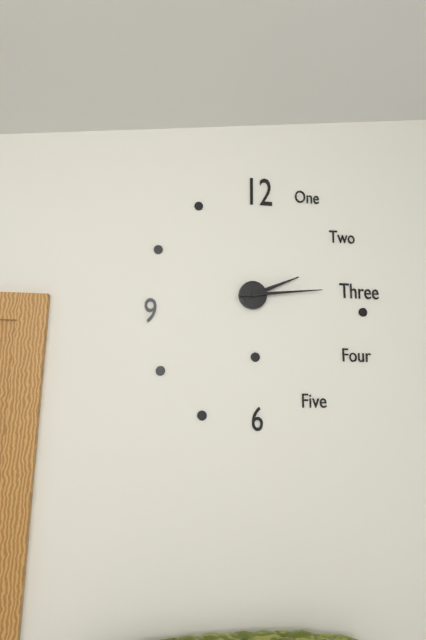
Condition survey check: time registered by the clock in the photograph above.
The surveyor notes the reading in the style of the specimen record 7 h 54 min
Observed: 2 h 14 min
